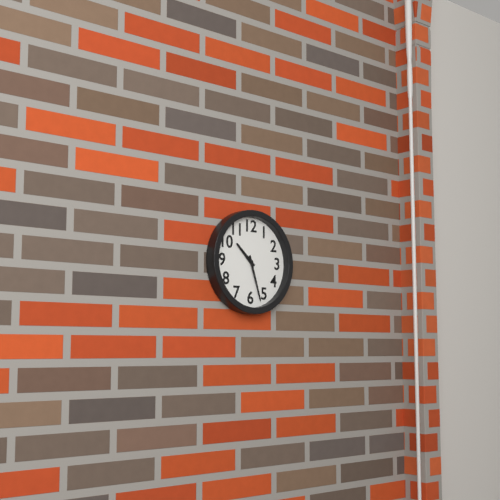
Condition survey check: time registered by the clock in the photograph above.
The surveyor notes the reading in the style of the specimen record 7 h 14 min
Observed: 10 h 27 min
